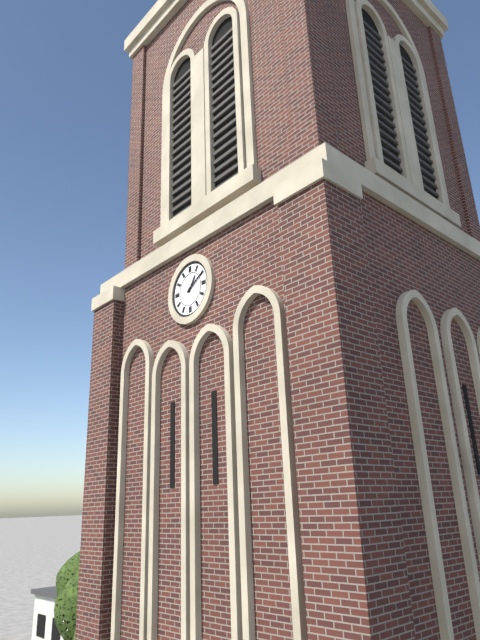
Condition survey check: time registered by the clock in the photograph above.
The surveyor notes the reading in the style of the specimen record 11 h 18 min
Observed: 1 h 10 min
